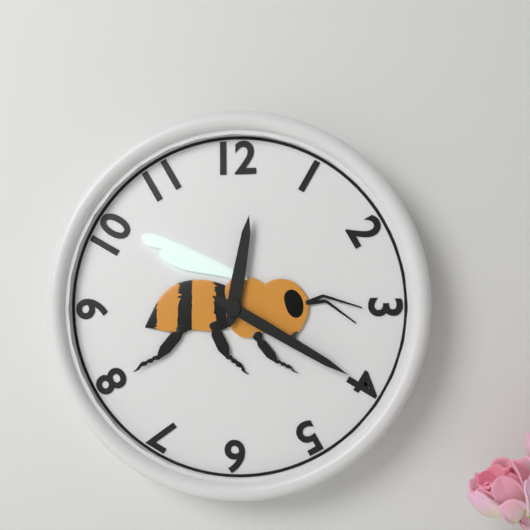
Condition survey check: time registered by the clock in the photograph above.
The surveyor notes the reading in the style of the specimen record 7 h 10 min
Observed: 12 h 20 min
